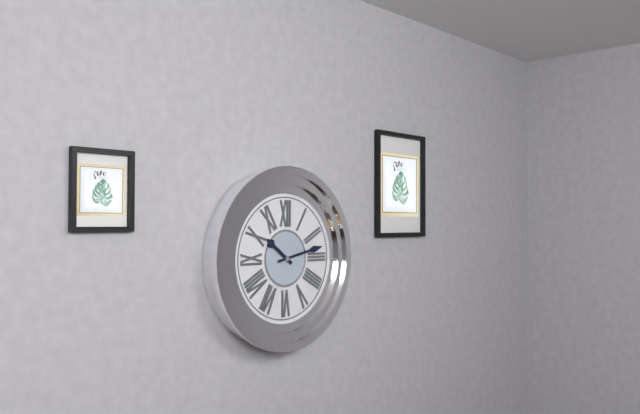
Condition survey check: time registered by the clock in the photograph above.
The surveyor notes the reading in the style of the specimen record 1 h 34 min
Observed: 10 h 13 min
